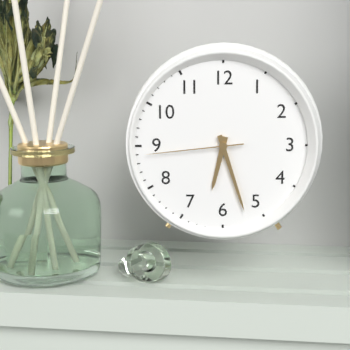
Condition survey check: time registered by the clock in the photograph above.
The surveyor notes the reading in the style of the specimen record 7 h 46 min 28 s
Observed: 6 h 27 min 44 s
